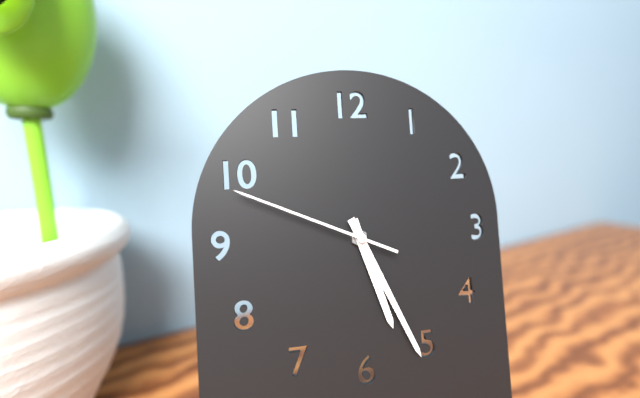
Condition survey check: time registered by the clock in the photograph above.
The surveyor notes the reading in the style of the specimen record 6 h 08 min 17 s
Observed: 5 h 26 min 49 s
